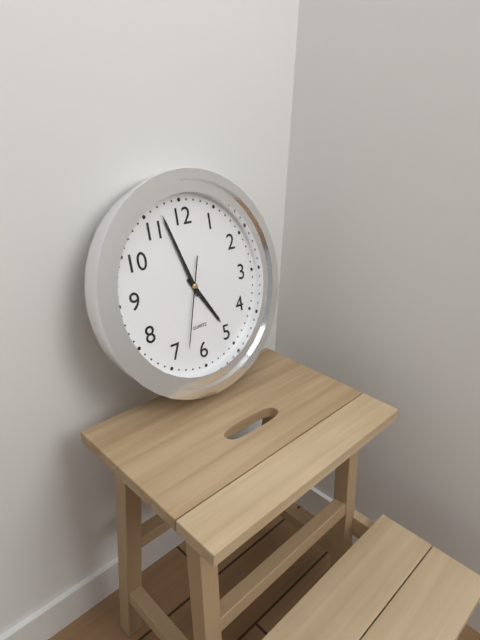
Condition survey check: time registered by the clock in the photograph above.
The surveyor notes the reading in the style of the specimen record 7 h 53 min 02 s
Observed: 4 h 57 min 33 s
